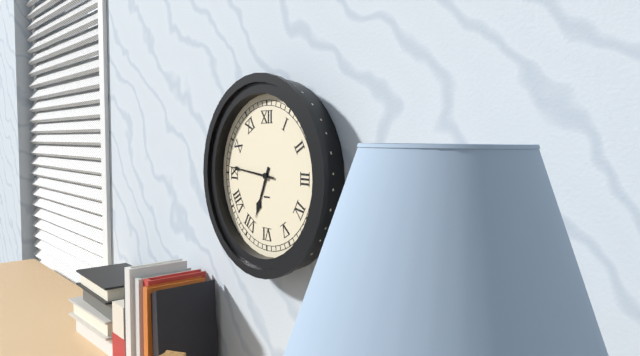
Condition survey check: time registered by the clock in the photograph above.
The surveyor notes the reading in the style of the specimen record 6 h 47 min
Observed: 6 h 46 min
